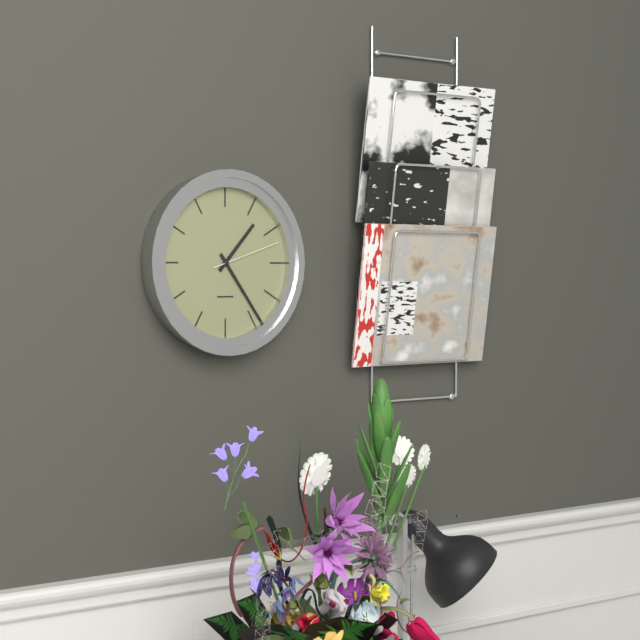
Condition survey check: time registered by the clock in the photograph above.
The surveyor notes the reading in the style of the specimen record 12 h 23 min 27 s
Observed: 1 h 24 min 12 s
